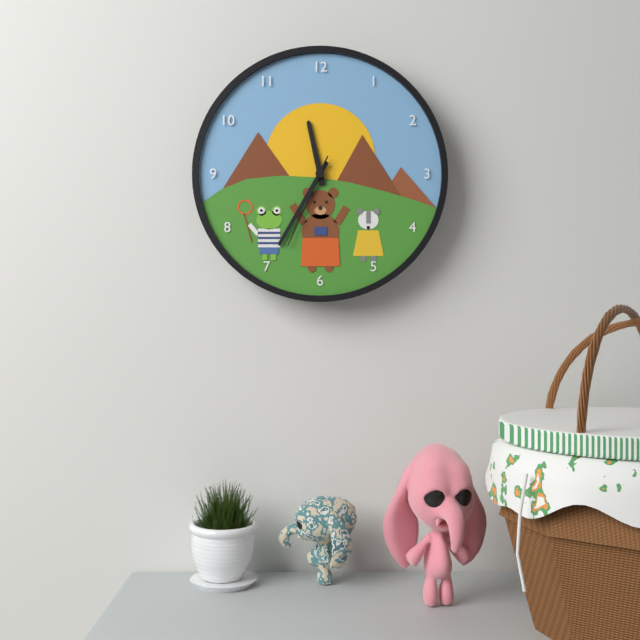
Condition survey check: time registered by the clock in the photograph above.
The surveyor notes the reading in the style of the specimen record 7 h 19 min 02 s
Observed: 11 h 35 min 34 s
